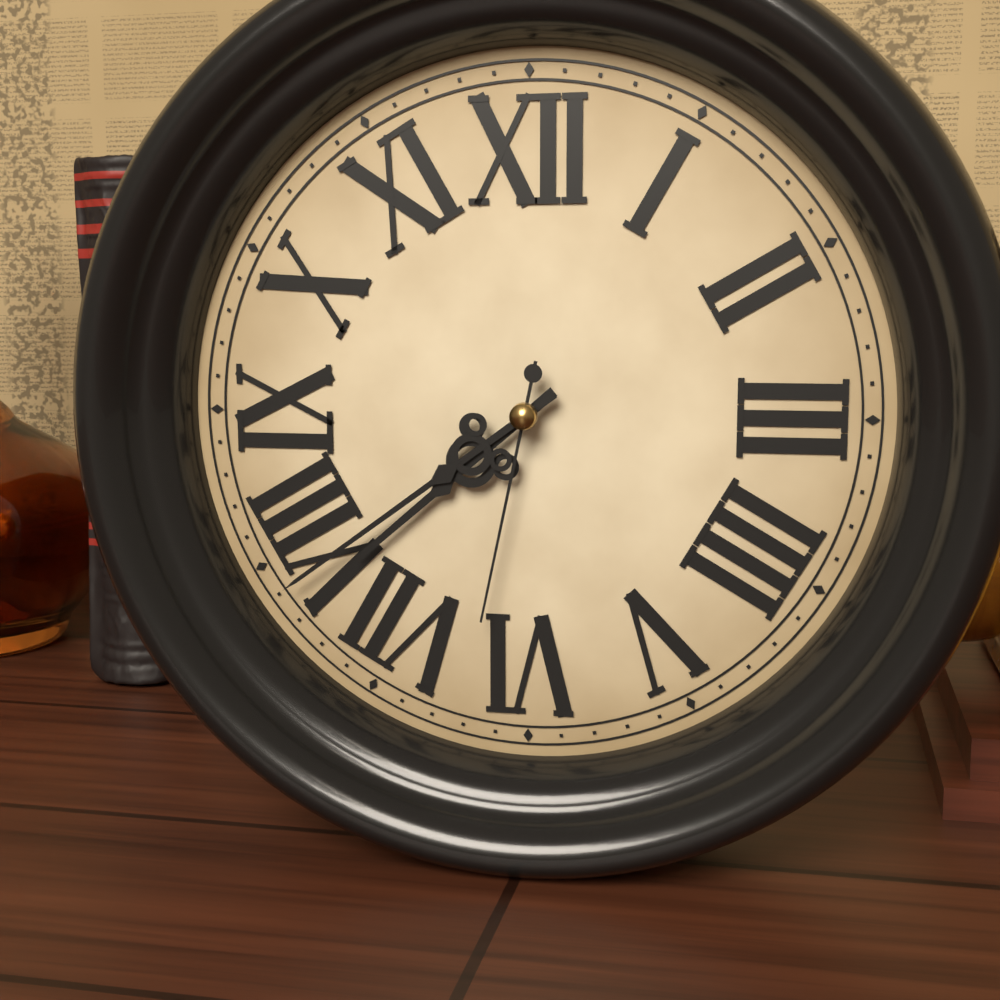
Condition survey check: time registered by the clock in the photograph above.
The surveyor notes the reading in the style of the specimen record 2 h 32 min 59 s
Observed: 7 h 39 min 32 s
